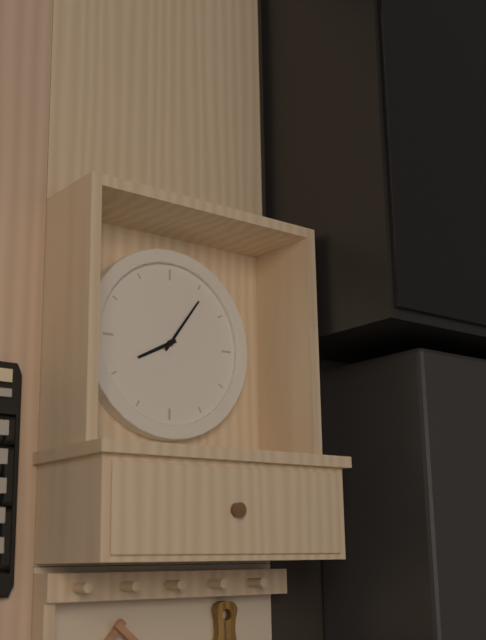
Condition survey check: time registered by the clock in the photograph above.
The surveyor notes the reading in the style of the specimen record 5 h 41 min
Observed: 8 h 06 min
